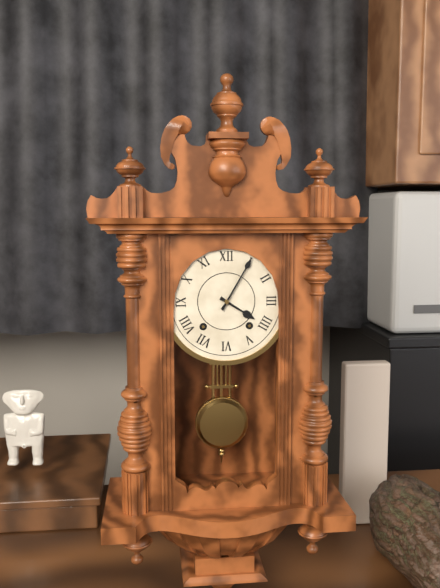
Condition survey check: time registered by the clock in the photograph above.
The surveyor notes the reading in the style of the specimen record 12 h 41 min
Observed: 4 h 05 min
